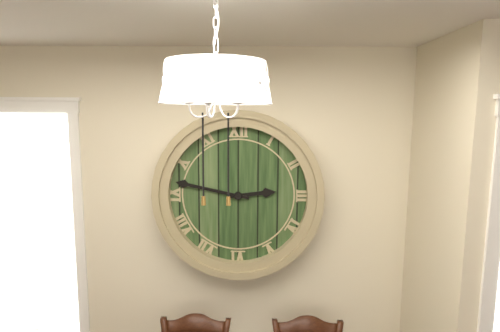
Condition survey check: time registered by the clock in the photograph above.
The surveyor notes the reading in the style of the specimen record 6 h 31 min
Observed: 2 h 47 min
